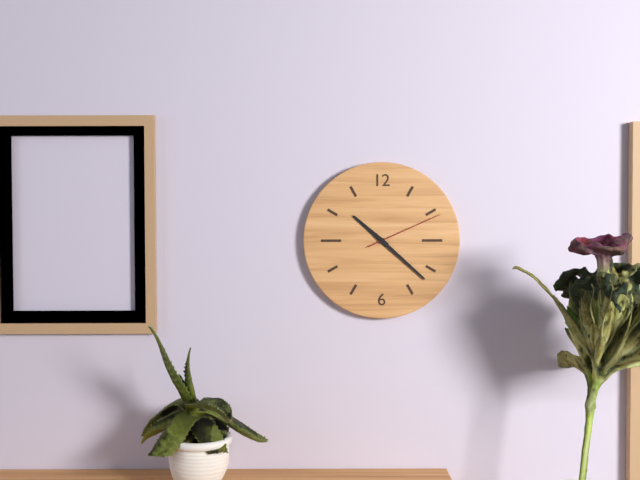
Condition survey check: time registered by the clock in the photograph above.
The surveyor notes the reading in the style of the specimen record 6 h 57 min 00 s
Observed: 10 h 22 min 11 s
